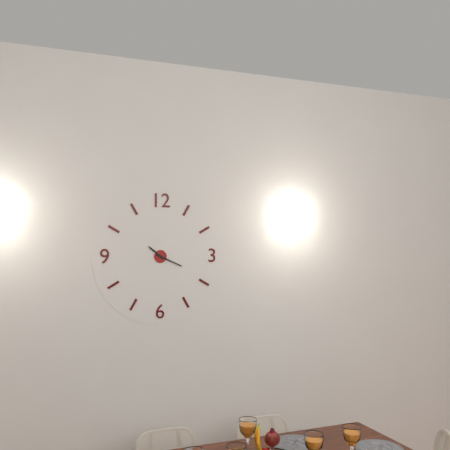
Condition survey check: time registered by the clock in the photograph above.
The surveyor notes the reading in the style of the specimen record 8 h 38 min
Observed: 10 h 19 min
